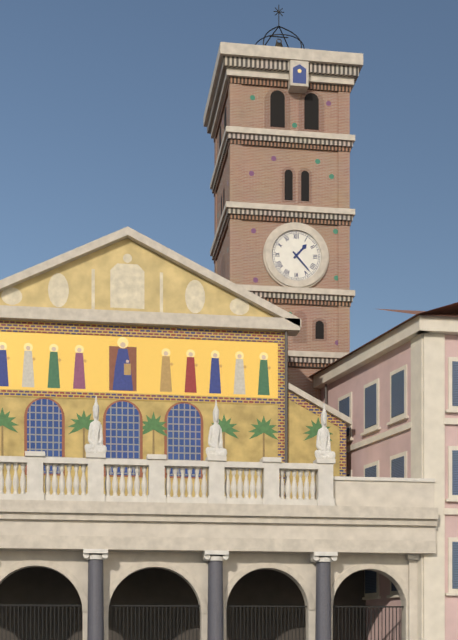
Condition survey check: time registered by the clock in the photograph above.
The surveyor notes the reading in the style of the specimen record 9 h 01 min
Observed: 1 h 23 min
